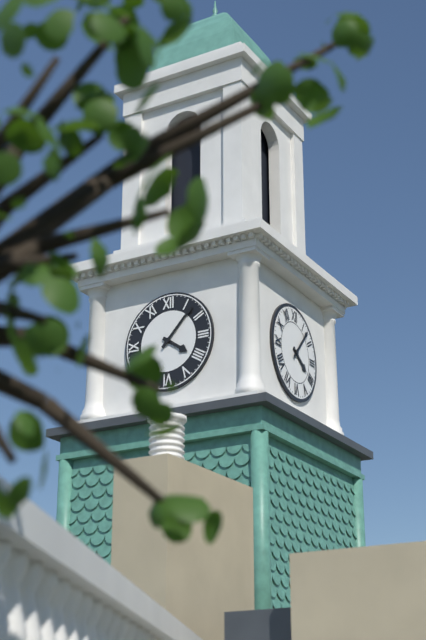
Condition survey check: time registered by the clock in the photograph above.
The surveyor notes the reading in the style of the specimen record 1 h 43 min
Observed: 4 h 07 min
